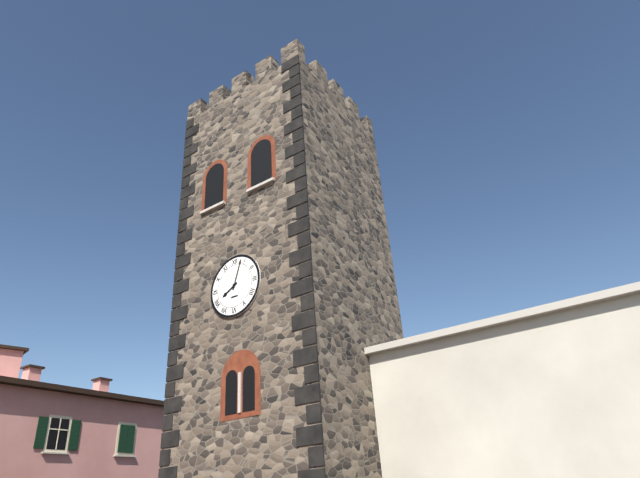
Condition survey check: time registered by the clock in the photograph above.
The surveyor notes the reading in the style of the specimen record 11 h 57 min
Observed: 8 h 03 min
